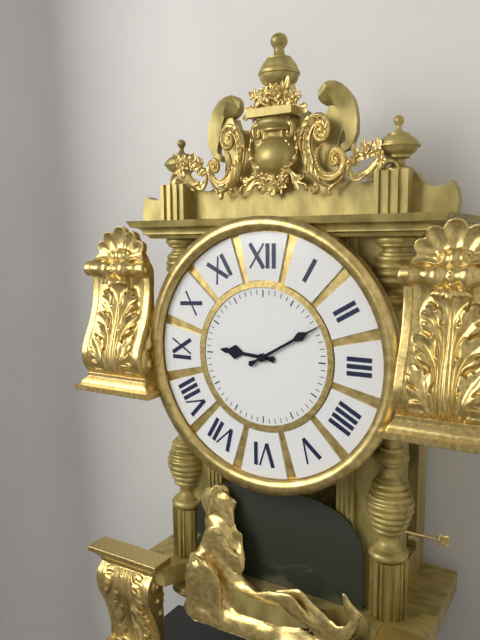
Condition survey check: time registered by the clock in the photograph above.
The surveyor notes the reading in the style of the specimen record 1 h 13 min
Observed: 9 h 10 min
